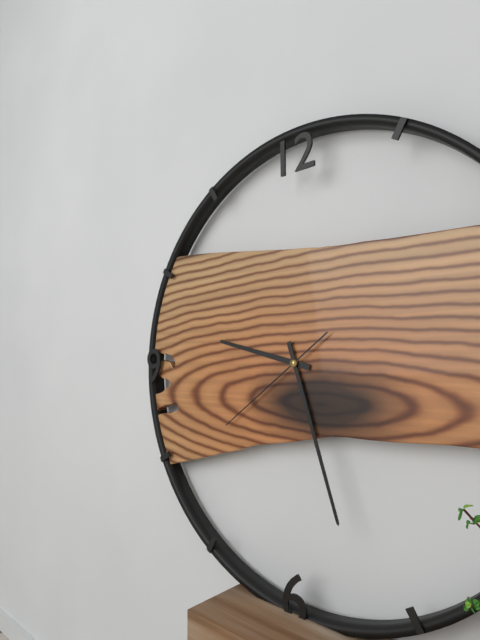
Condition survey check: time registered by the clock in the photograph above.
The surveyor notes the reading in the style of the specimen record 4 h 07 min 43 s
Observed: 9 h 27 min 39 s
